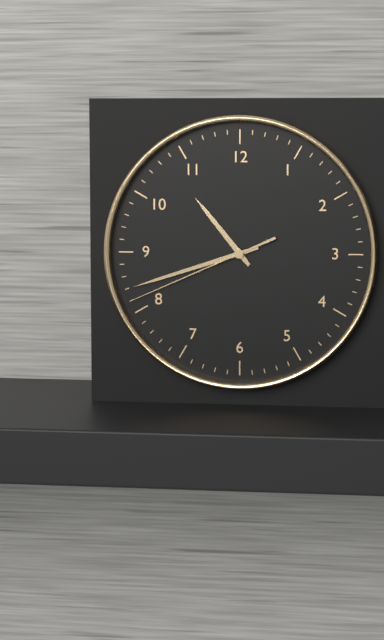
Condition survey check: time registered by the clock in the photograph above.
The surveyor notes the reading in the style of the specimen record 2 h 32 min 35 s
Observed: 10 h 42 min 41 s
